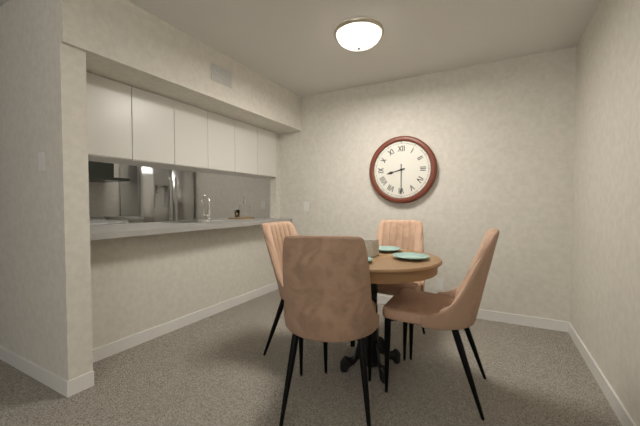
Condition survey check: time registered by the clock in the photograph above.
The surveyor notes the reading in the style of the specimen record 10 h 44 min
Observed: 8 h 30 min
